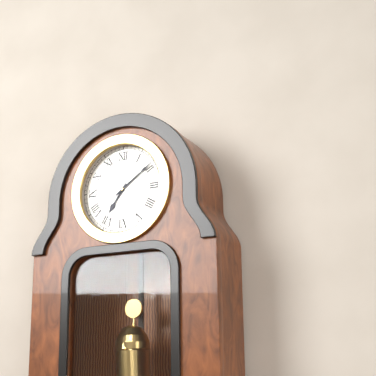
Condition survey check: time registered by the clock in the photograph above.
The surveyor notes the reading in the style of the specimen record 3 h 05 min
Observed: 7 h 09 min
